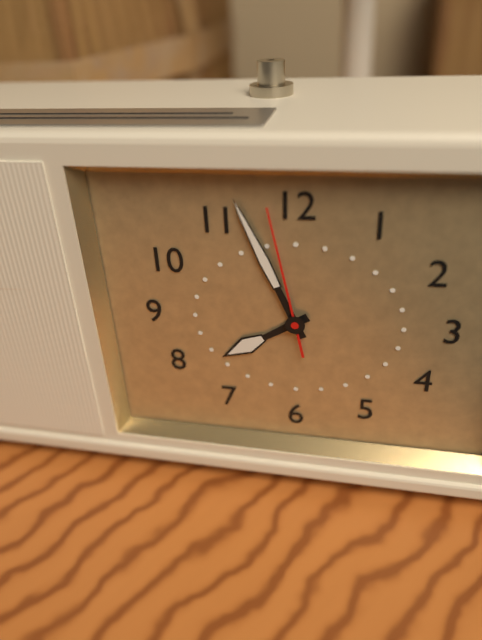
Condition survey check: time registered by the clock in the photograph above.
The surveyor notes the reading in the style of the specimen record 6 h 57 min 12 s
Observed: 7 h 56 min 58 s
